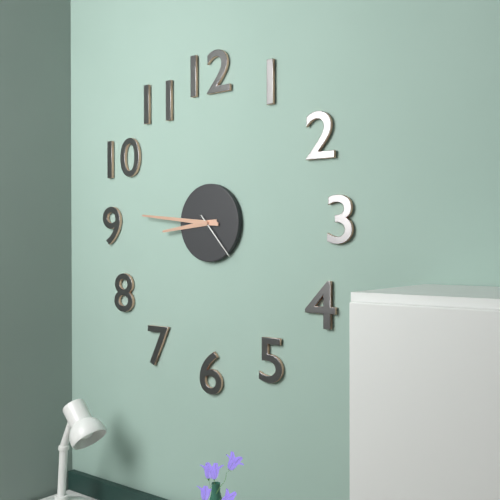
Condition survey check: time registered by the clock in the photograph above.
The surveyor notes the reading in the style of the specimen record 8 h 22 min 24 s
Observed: 8 h 46 min 23 s
